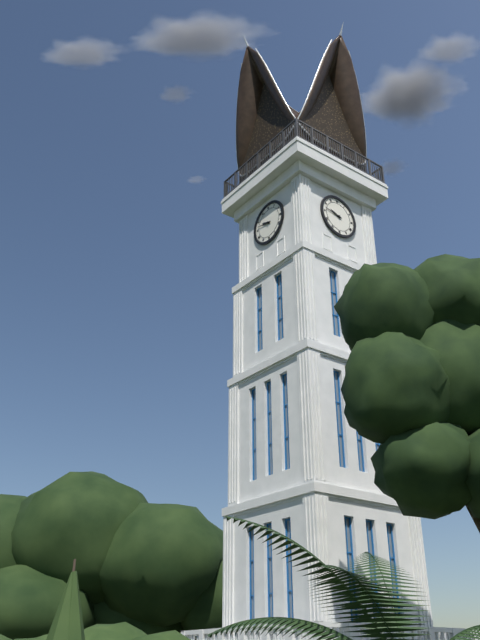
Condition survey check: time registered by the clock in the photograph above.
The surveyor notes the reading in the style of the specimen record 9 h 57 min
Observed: 9 h 47 min
